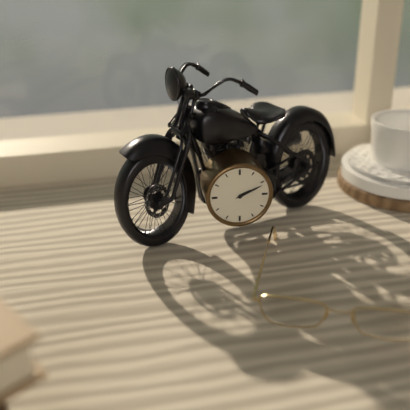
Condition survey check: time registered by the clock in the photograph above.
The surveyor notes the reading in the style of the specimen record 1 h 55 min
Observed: 2 h 11 min
